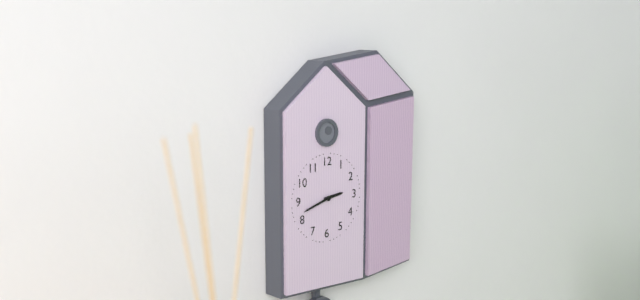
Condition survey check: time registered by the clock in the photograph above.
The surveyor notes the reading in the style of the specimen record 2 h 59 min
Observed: 2 h 42 min
